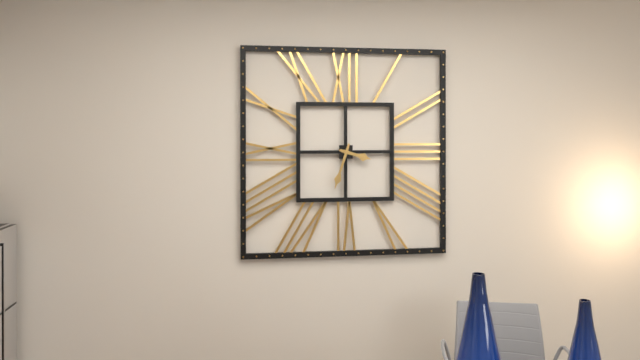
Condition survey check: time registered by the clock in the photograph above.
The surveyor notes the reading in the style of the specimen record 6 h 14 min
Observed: 3 h 33 min
